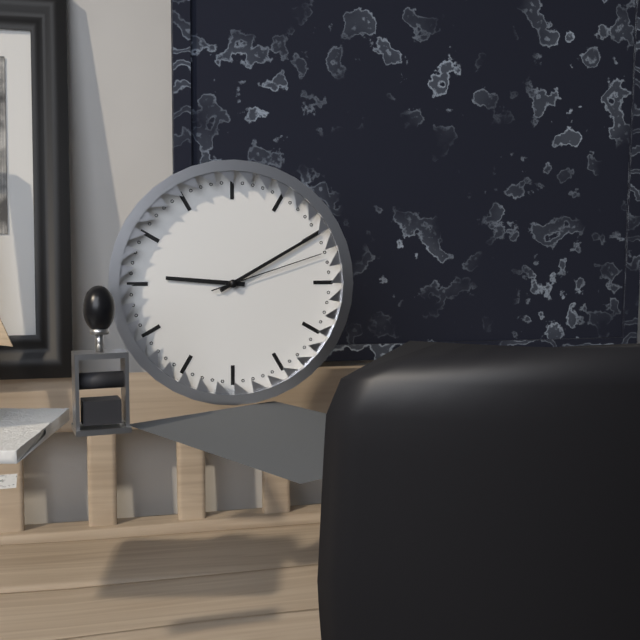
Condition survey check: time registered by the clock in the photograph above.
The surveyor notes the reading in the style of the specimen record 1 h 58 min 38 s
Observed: 9 h 10 min 12 s
